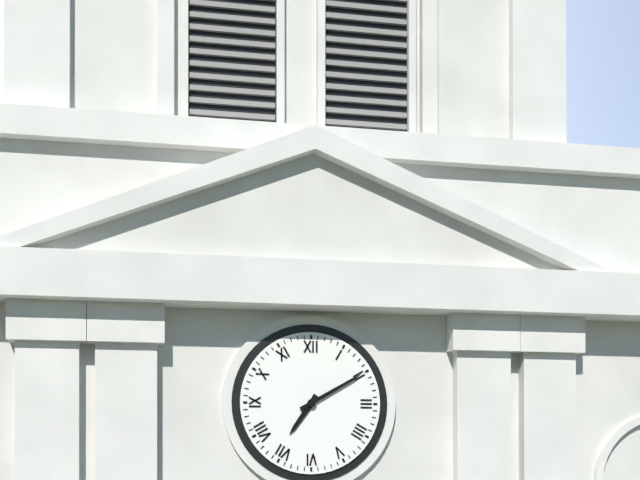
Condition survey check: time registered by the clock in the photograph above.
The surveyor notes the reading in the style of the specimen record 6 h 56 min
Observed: 7 h 10 min
